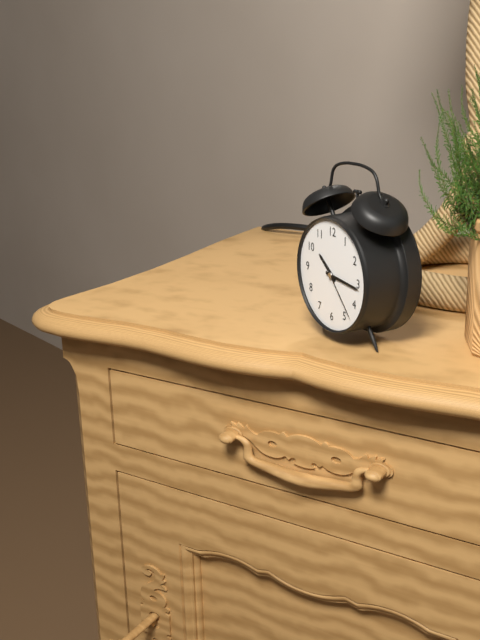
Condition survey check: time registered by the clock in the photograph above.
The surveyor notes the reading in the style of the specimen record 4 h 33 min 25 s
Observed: 10 h 16 min 23 s
